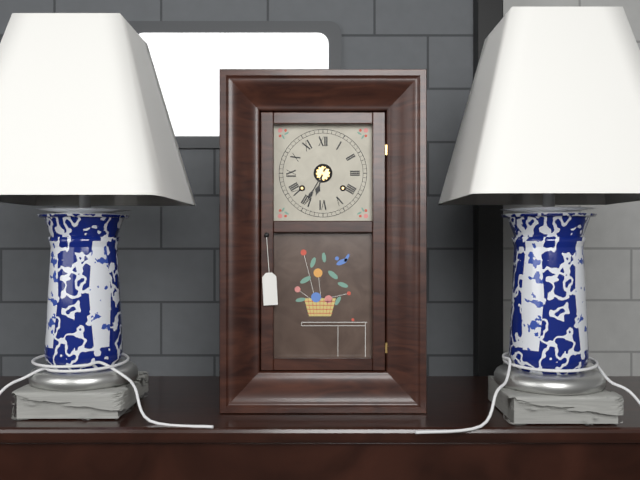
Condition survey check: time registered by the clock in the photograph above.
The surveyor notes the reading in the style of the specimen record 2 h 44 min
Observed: 6 h 35 min
